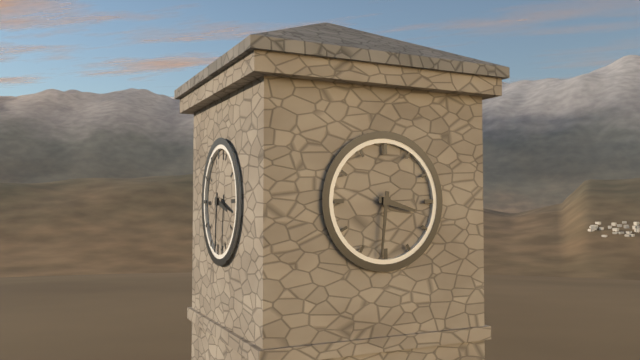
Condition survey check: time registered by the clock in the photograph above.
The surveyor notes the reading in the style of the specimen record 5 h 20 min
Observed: 3 h 31 min
